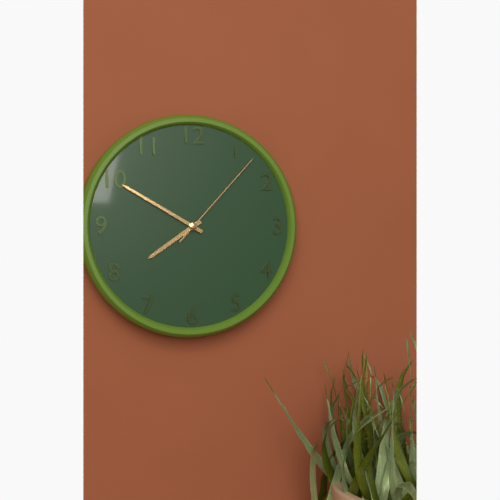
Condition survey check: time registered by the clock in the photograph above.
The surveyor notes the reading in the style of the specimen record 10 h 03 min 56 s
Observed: 7 h 50 min 07 s
